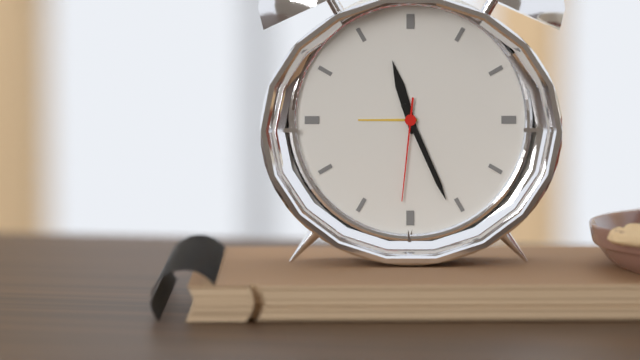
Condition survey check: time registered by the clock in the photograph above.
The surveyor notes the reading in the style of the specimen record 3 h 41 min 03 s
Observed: 11 h 26 min 31 s
